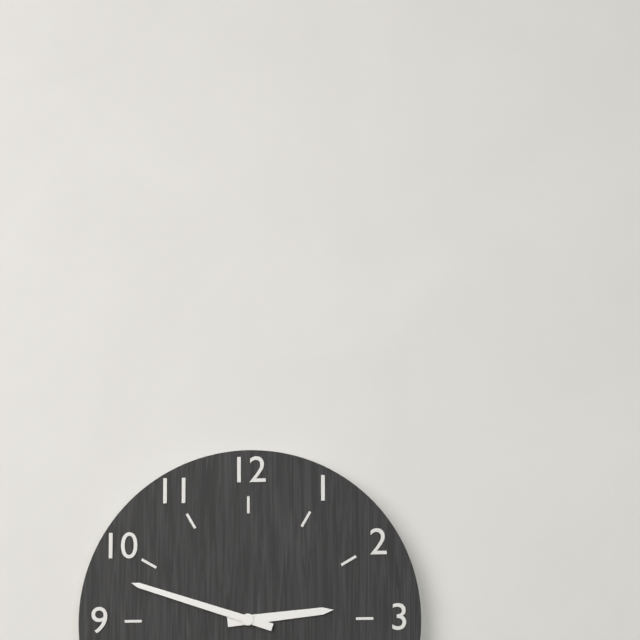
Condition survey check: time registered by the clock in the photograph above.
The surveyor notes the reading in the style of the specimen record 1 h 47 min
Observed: 2 h 48 min
